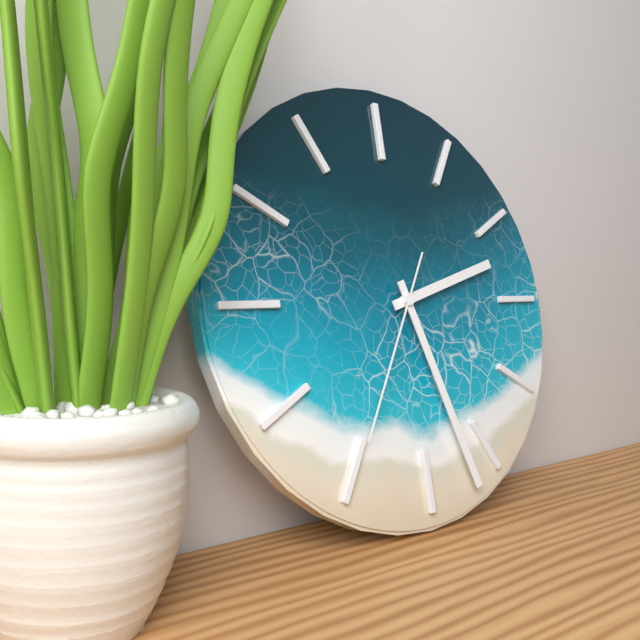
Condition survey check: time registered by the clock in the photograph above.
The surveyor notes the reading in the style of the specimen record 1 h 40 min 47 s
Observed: 2 h 27 min 35 s
